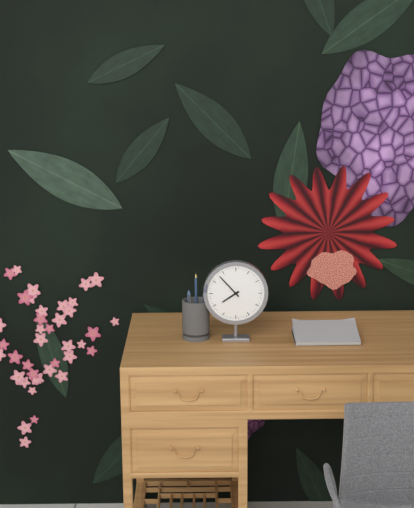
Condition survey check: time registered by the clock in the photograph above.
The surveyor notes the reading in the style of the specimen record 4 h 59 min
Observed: 7 h 53 min
